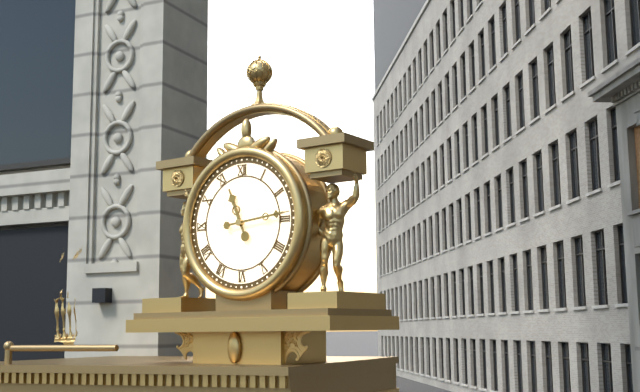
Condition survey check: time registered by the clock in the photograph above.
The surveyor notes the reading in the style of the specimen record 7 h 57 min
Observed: 11 h 14 min
